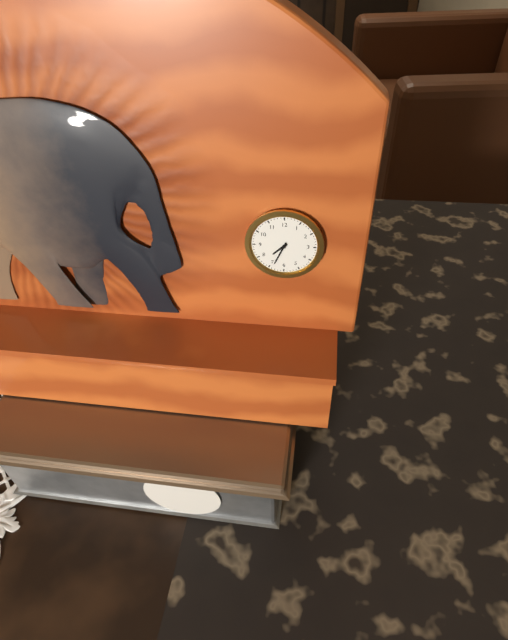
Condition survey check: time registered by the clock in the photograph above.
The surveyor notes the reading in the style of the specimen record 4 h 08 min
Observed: 7 h 34 min
